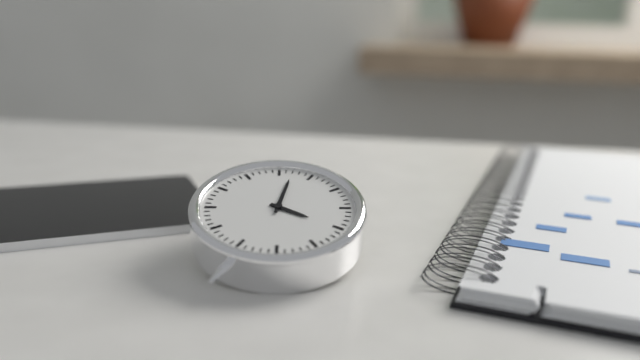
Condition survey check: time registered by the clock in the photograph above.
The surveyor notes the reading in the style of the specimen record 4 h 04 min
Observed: 4 h 02 min
